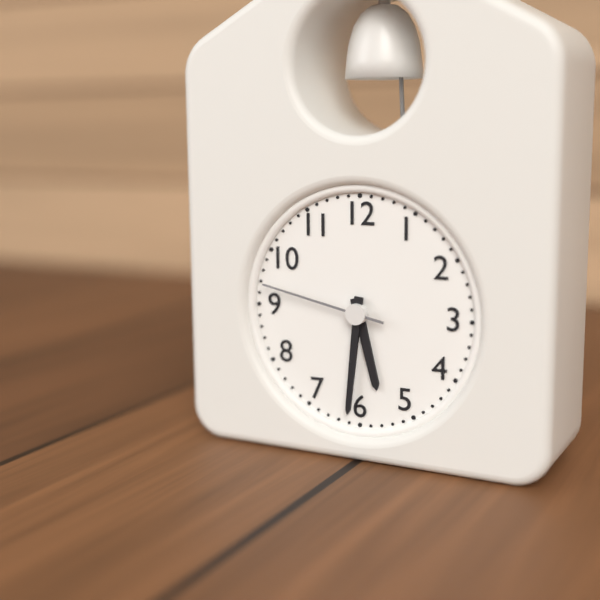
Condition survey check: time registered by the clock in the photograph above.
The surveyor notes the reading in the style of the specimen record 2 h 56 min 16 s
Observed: 5 h 31 min 47 s
